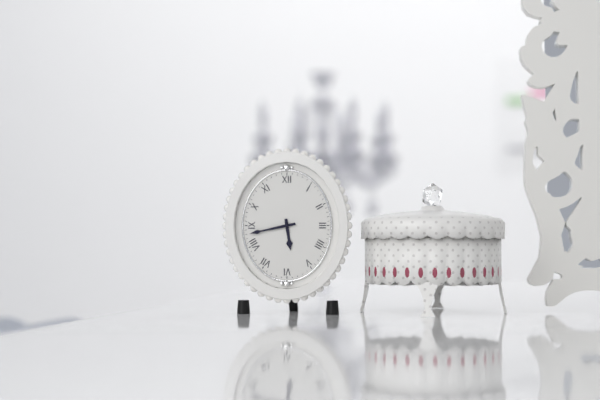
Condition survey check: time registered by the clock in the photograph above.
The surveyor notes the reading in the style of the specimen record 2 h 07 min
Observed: 5 h 43 min
